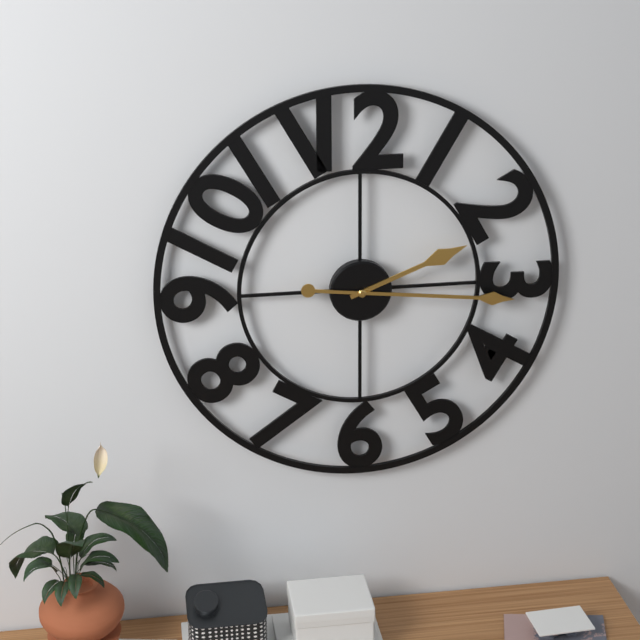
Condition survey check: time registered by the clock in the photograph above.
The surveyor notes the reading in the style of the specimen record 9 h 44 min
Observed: 2 h 16 min
